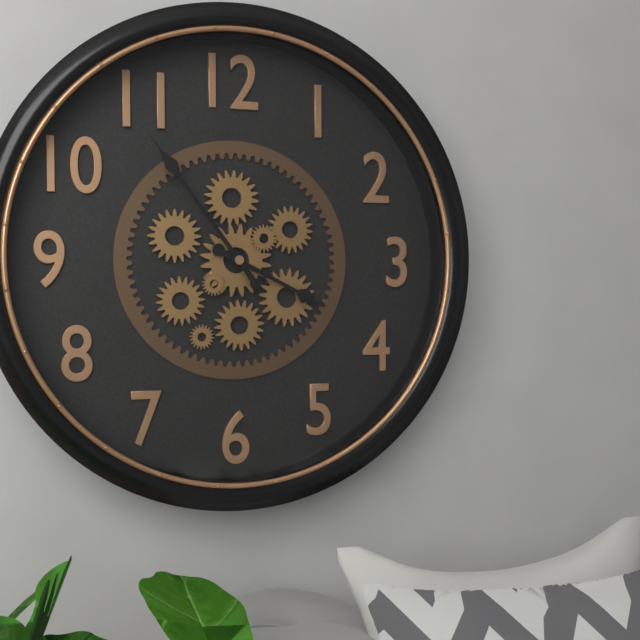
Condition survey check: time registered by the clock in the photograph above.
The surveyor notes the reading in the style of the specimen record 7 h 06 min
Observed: 3 h 54 min
